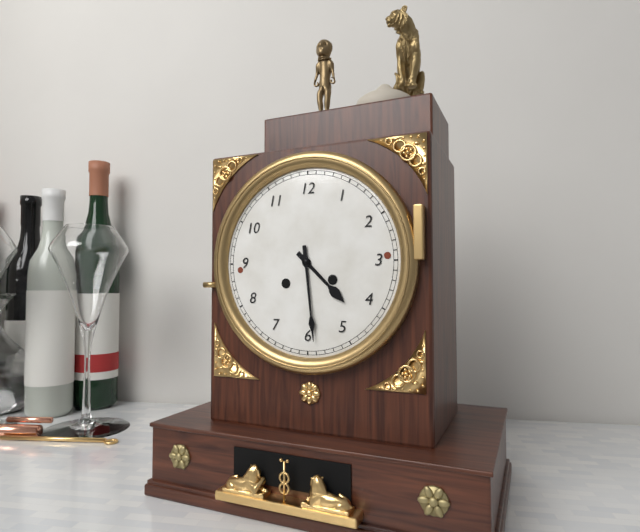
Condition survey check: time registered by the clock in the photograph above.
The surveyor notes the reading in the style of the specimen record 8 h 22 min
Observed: 4 h 29 min
